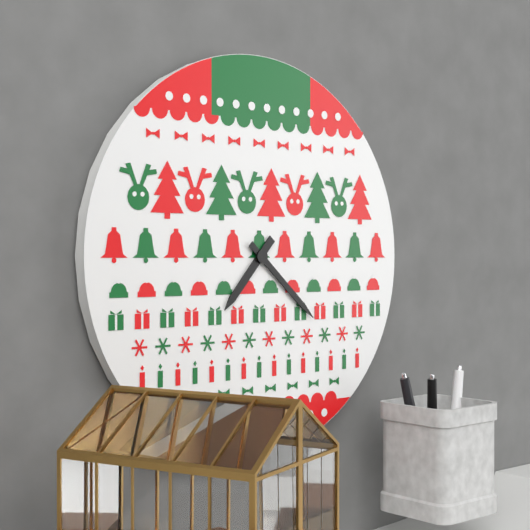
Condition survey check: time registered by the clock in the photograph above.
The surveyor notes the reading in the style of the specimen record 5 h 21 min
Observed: 7 h 22 min
